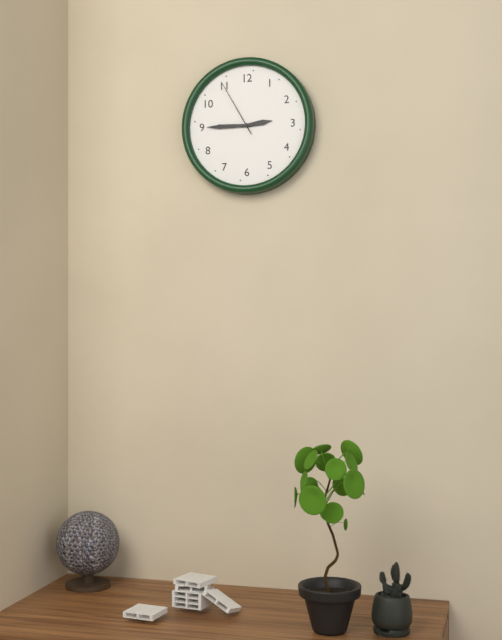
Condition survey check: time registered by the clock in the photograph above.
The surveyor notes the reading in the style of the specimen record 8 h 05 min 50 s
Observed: 2 h 45 min 55 s
